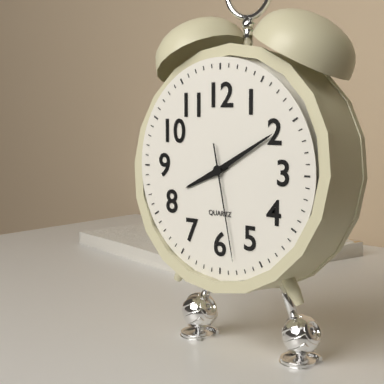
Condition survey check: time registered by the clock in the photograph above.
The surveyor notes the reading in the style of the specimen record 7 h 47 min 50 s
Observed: 8 h 10 min 28 s
